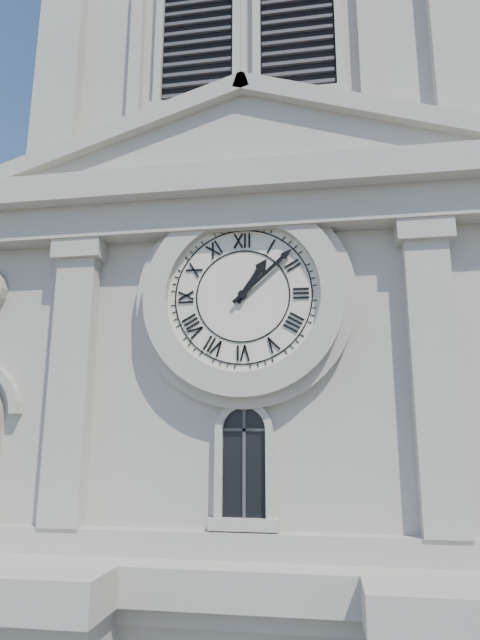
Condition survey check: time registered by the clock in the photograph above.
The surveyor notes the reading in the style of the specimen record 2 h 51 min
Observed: 1 h 08 min
